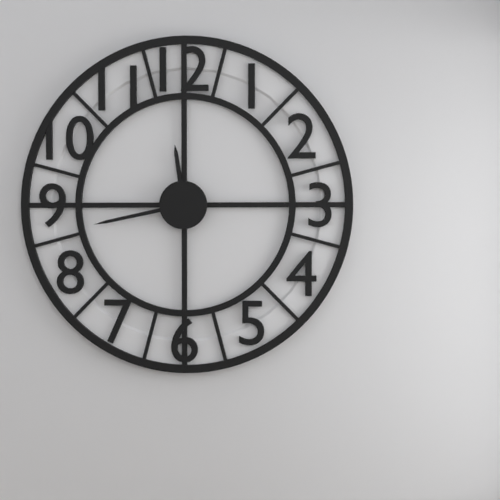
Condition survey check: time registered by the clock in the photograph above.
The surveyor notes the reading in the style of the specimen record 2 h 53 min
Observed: 11 h 43 min
